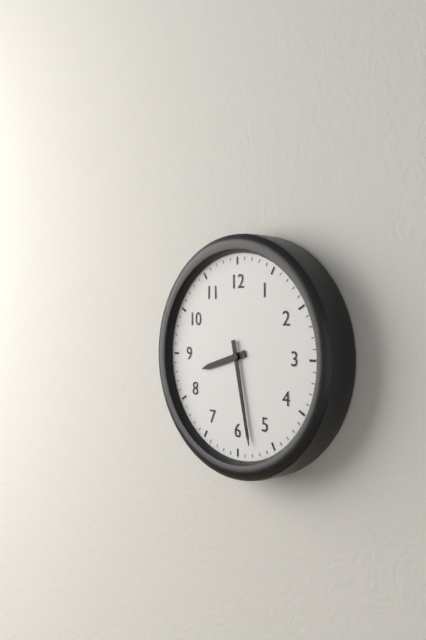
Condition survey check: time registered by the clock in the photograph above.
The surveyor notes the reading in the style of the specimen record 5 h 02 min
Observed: 8 h 28 min
